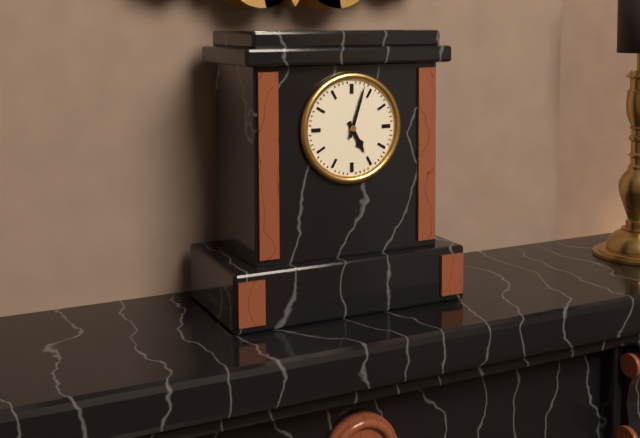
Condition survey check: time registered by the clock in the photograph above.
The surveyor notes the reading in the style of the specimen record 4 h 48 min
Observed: 5 h 03 min
